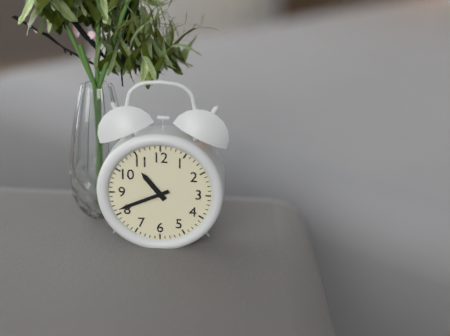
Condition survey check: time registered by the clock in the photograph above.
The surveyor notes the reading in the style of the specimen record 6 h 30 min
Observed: 10 h 41 min
